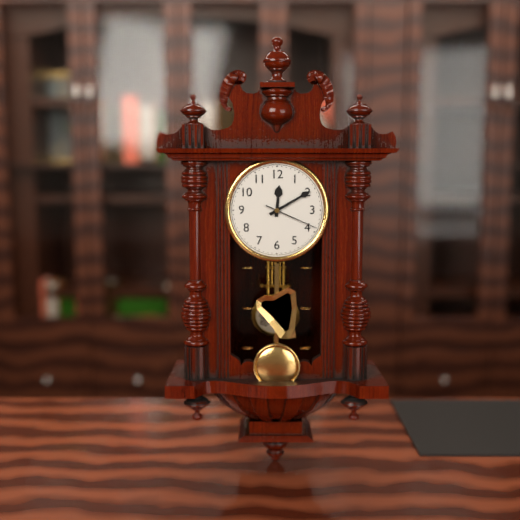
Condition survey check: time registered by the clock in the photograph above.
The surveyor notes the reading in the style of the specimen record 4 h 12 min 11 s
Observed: 12 h 10 min 19 s
